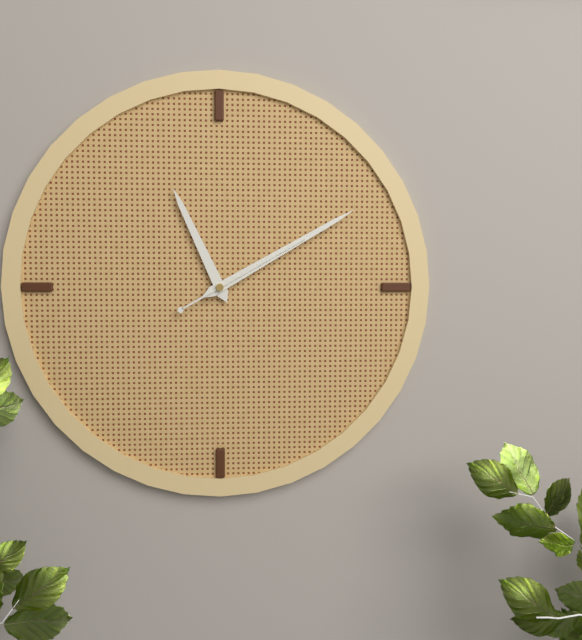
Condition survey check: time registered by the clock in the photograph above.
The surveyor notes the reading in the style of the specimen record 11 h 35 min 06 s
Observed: 11 h 10 min 10 s
